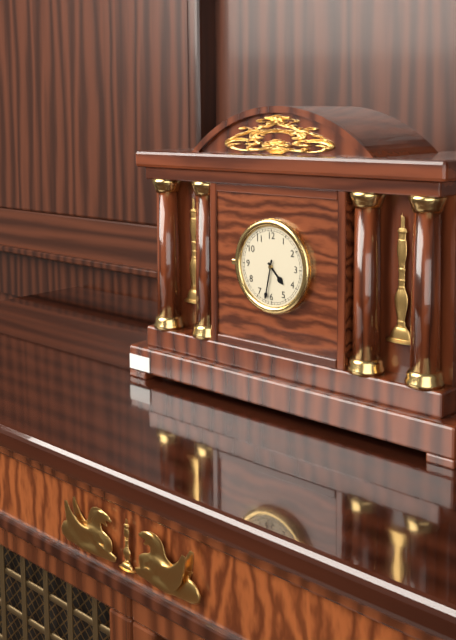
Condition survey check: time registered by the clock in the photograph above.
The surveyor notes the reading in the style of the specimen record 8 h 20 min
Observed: 4 h 32 min
